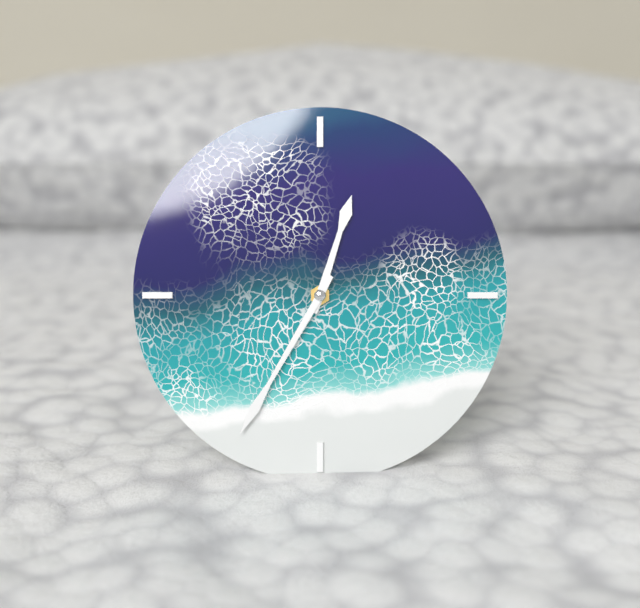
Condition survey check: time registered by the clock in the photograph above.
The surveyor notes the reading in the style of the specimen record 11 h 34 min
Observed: 12 h 35 min
